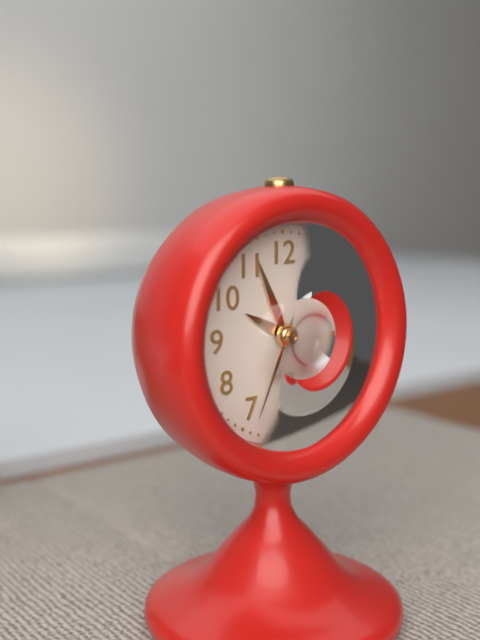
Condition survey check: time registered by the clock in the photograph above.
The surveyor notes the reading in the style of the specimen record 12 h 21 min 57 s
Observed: 9 h 56 min 34 s
